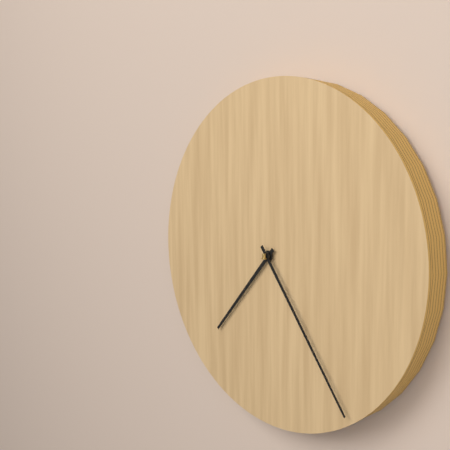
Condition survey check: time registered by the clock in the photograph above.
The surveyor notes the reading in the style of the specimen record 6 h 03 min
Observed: 7 h 24 min
